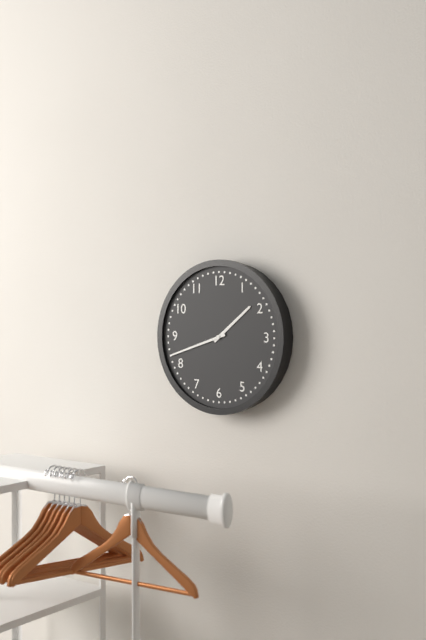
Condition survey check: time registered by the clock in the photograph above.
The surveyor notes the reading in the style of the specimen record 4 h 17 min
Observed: 1 h 42 min
